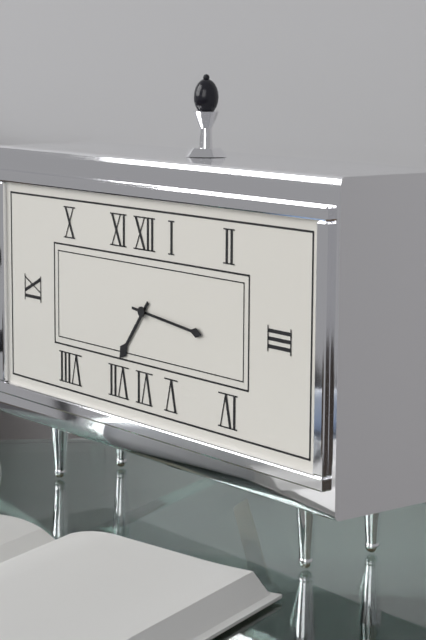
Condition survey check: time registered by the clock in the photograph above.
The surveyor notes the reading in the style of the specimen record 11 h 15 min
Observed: 7 h 16 min
